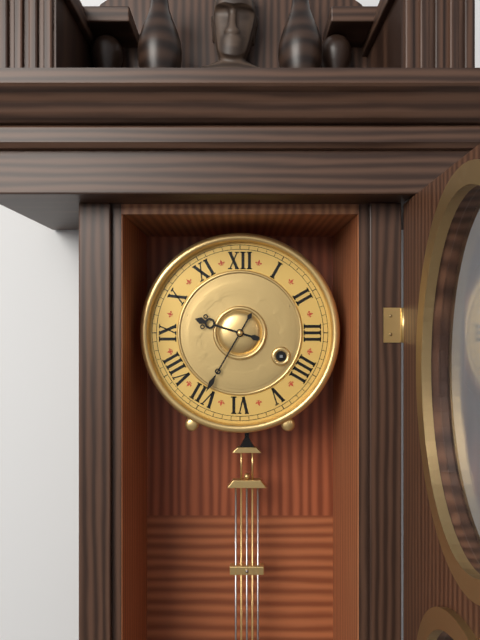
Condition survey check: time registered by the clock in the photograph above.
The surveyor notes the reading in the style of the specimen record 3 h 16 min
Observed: 9 h 35 min
